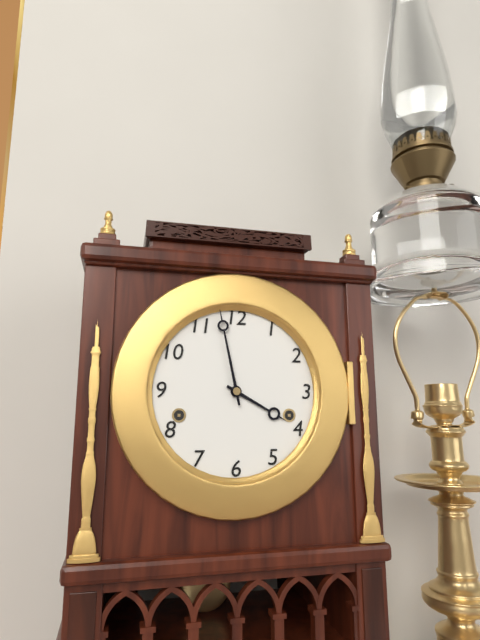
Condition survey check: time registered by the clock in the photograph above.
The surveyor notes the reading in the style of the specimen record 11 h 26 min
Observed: 3 h 58 min
